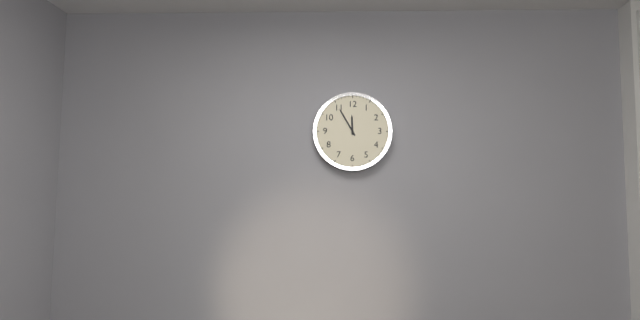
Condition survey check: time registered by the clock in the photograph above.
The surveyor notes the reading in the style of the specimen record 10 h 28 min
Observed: 11 h 55 min
